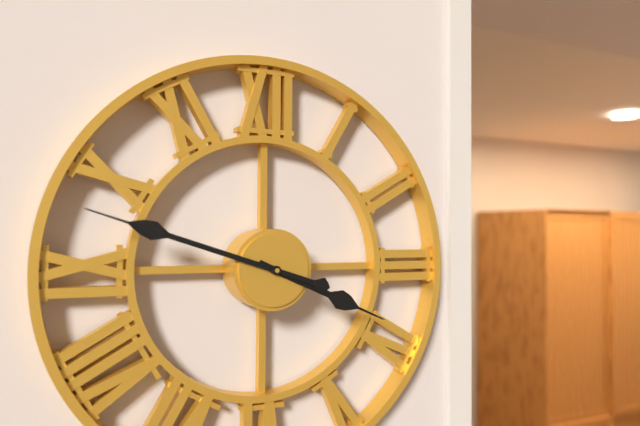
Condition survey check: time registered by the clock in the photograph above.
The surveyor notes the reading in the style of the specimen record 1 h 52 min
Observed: 3 h 48 min
